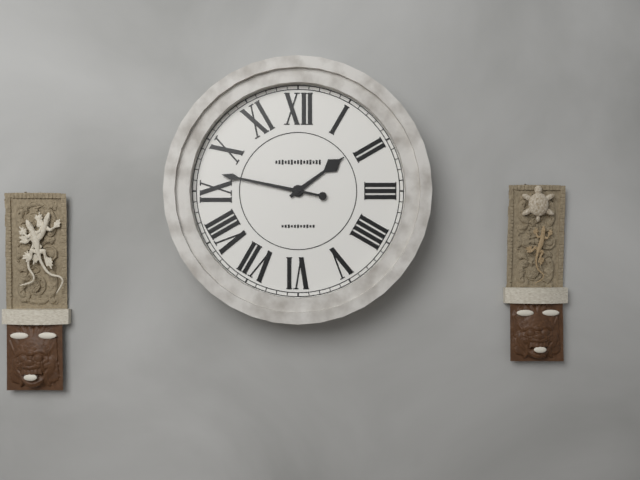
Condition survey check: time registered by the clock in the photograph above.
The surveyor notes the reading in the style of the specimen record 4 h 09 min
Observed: 1 h 47 min
